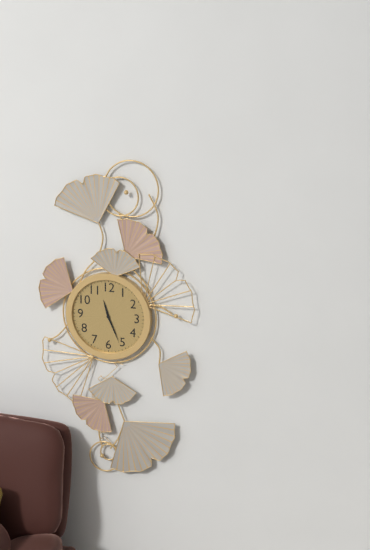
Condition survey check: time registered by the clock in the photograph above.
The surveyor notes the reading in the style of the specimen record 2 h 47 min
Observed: 11 h 26 min
